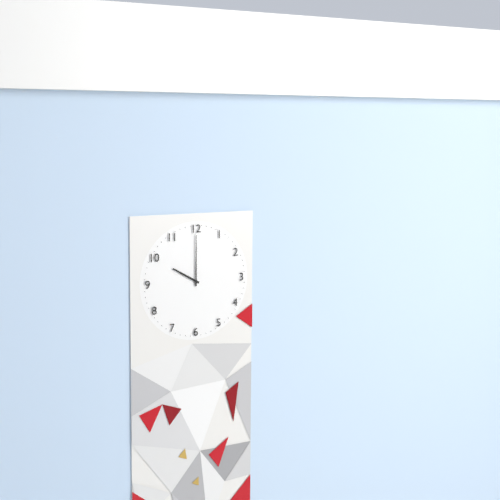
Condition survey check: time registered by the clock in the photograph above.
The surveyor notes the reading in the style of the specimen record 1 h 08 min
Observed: 10 h 00 min
